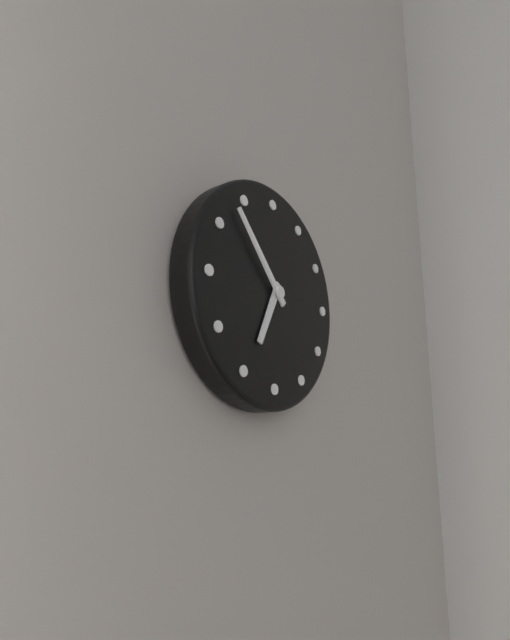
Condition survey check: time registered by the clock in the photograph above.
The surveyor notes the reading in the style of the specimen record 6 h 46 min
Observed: 6 h 53 min
